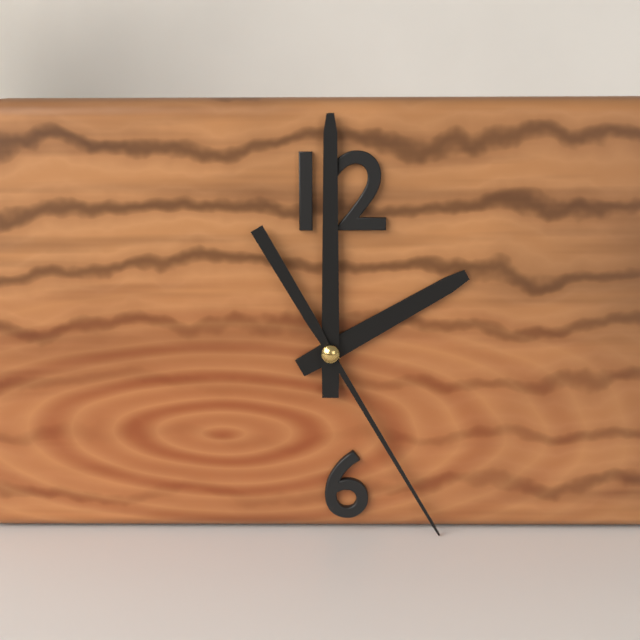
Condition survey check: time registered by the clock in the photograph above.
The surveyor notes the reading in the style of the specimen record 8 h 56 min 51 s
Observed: 2 h 00 min 25 s
